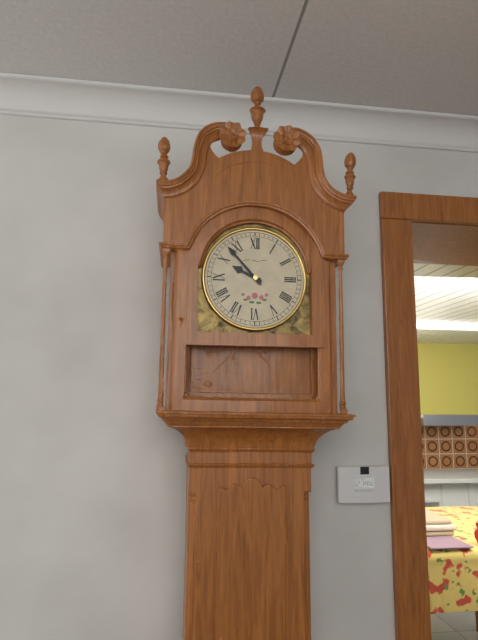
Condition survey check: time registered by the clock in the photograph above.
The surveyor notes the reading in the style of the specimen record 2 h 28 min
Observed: 9 h 53 min
